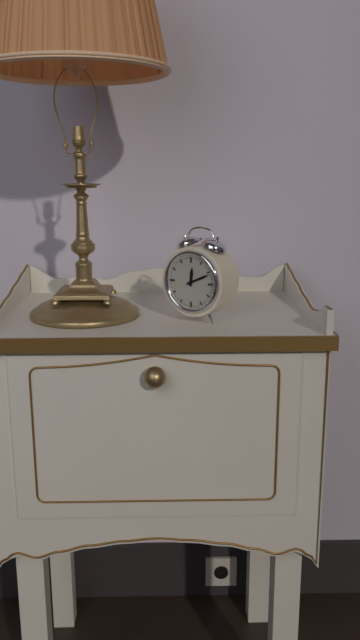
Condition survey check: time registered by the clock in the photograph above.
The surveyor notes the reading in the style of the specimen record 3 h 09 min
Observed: 12 h 11 min
